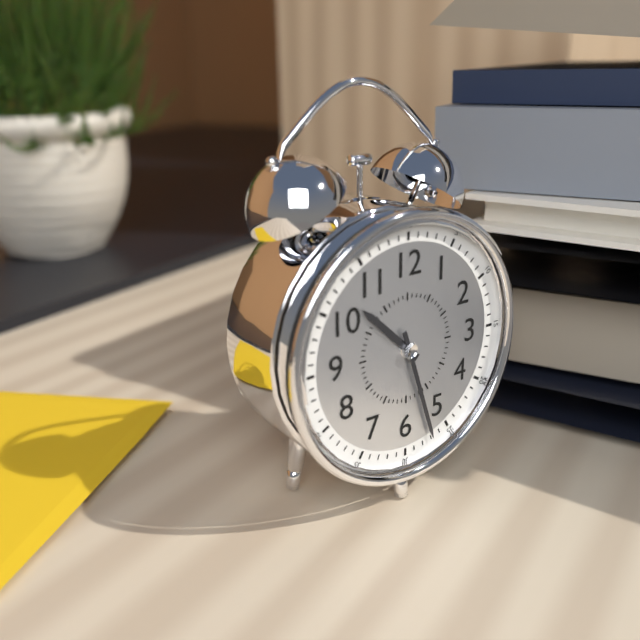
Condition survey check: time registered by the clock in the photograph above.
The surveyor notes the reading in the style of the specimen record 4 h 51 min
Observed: 10 h 27 min
